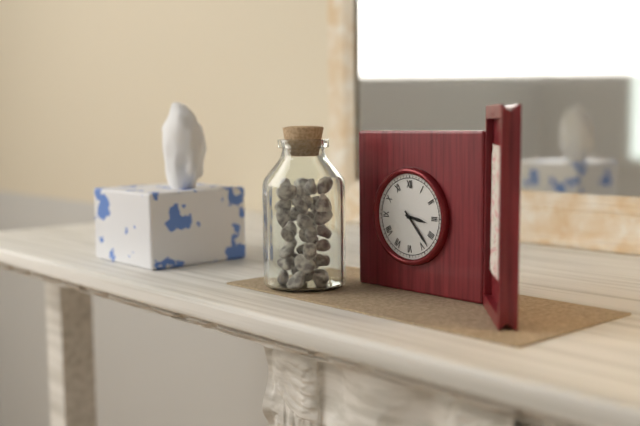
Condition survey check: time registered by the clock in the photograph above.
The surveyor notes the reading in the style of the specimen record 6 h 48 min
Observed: 3 h 23 min
